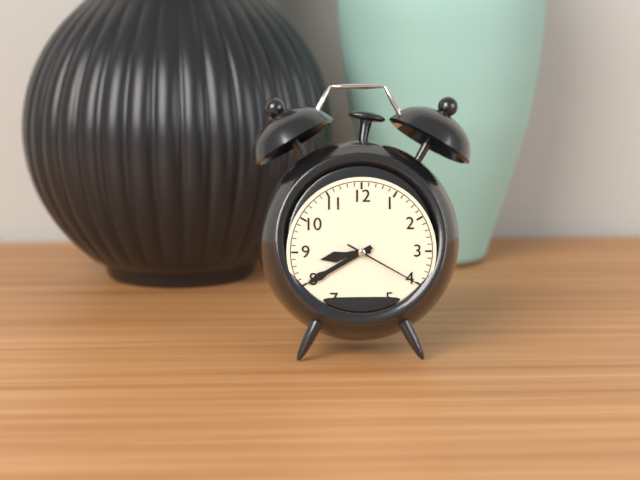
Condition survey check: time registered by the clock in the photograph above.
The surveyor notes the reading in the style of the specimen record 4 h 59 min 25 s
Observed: 8 h 40 min 20 s
